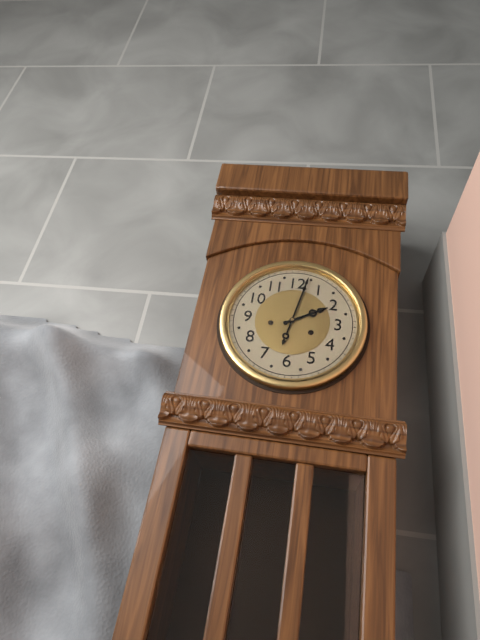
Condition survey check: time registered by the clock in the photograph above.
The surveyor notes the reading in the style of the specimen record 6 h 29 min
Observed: 2 h 02 min
